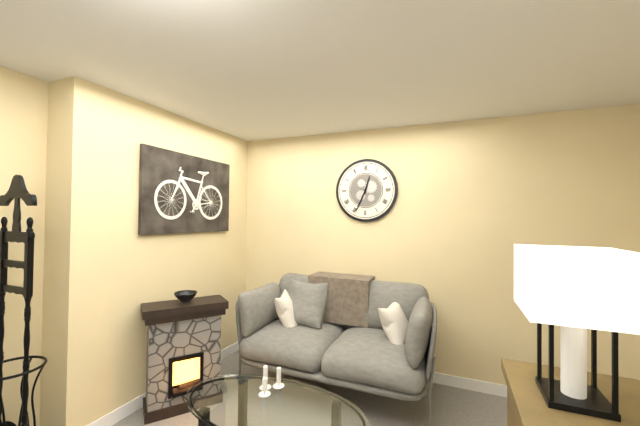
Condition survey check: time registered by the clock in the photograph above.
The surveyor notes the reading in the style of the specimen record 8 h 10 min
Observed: 12 h 34 min
